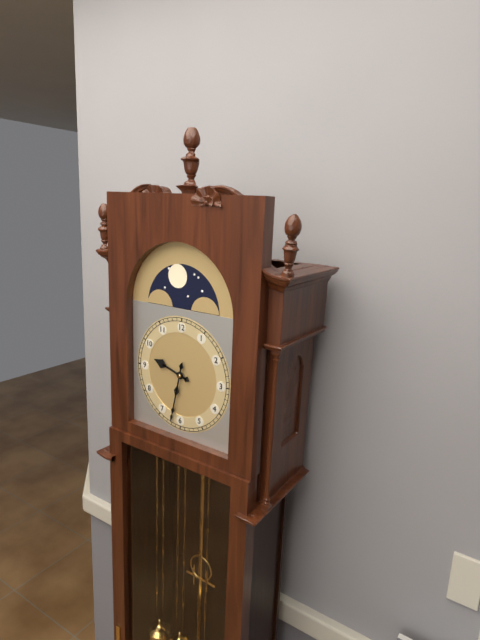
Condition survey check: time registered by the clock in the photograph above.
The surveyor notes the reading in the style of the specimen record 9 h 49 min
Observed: 9 h 32 min
